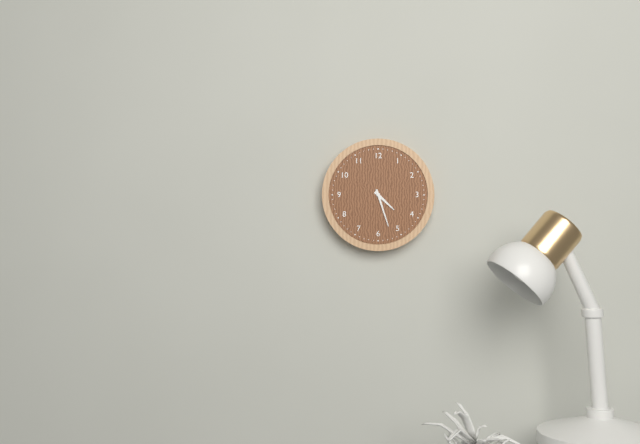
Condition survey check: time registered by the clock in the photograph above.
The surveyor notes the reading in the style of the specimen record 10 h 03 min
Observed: 4 h 27 min
